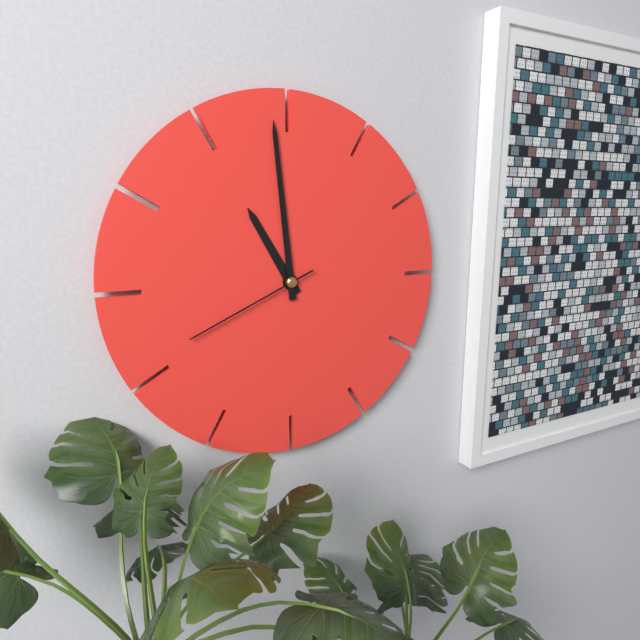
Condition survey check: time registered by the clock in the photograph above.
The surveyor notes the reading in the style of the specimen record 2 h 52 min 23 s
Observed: 10 h 59 min 41 s
